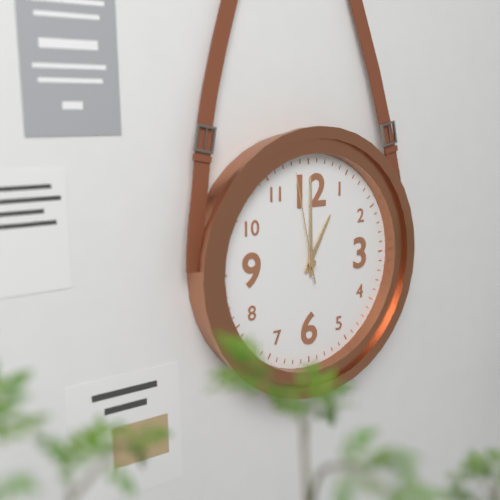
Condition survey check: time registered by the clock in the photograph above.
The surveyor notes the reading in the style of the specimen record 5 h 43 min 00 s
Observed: 1 h 00 min 58 s
